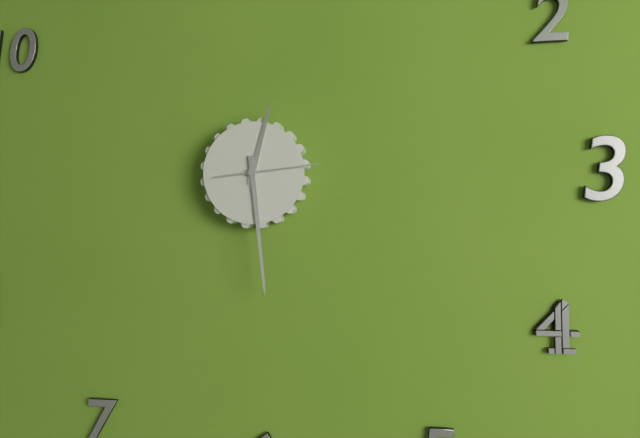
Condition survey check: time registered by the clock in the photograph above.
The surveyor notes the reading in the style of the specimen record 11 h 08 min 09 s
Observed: 12 h 29 min 14 s
